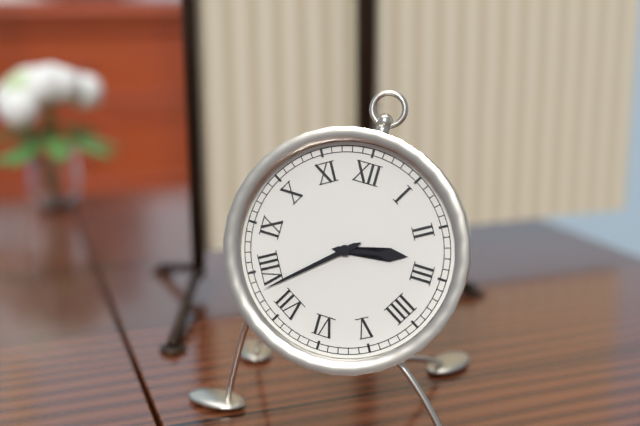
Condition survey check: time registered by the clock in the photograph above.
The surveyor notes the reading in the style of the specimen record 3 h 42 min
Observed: 2 h 38 min
